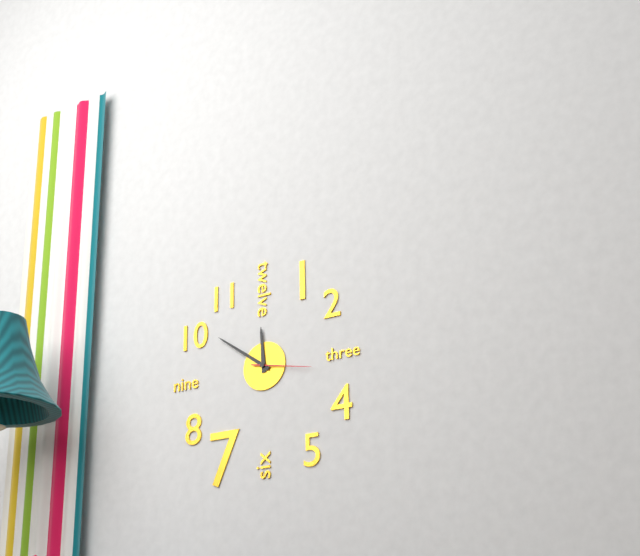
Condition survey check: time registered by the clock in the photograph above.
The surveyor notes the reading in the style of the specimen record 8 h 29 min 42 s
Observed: 11 h 51 min 17 s
